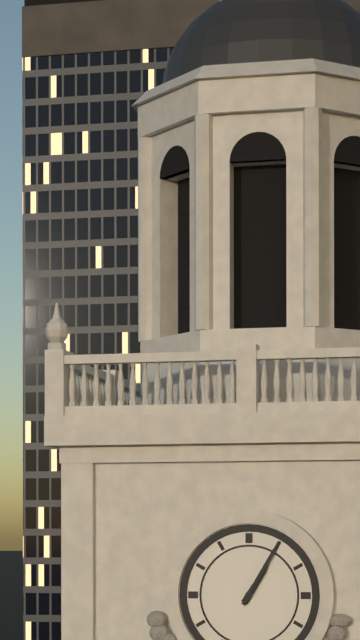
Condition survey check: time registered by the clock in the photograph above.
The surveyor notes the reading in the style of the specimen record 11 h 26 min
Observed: 1 h 05 min
